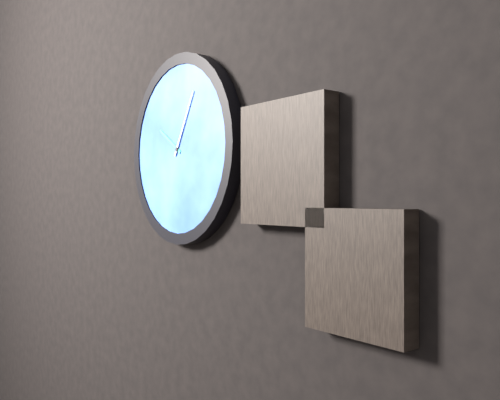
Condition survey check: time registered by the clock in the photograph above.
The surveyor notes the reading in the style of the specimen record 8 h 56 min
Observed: 10 h 05 min
